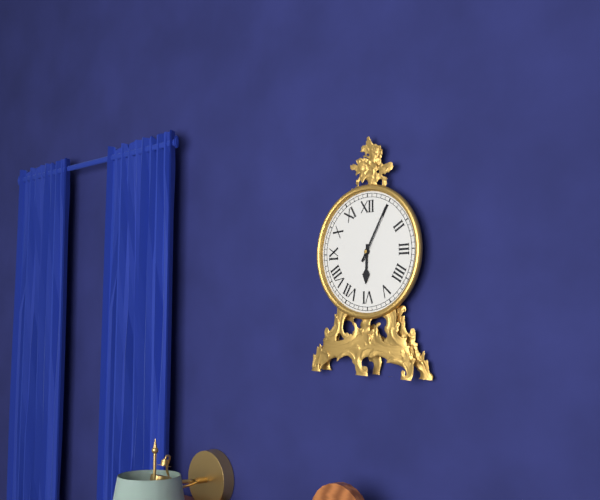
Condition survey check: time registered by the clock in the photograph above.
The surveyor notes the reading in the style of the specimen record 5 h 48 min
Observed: 6 h 05 min
